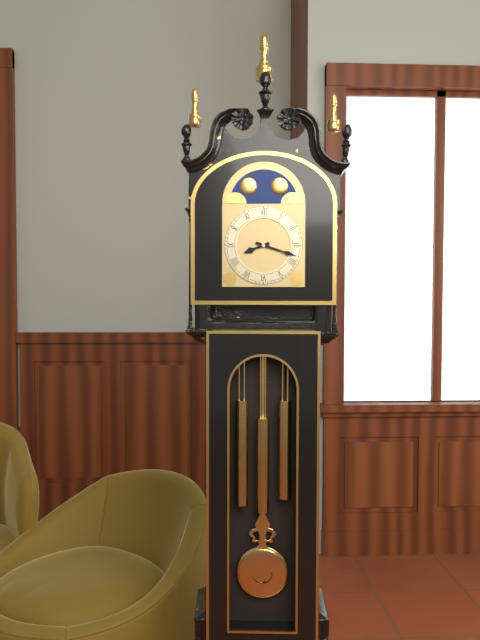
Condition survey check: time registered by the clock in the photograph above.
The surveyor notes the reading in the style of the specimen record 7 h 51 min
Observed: 8 h 18 min
